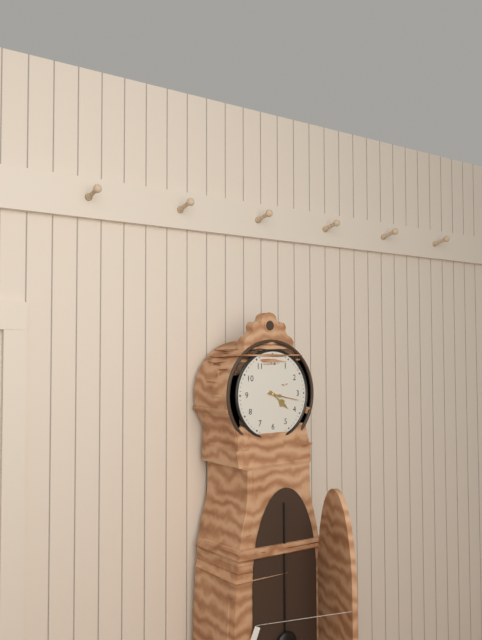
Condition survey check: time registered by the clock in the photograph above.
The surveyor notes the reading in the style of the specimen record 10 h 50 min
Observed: 4 h 17 min
